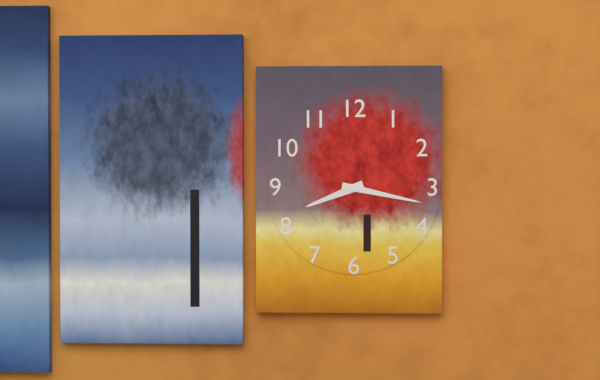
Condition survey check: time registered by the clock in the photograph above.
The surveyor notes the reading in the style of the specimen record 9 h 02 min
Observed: 8 h 17 min
